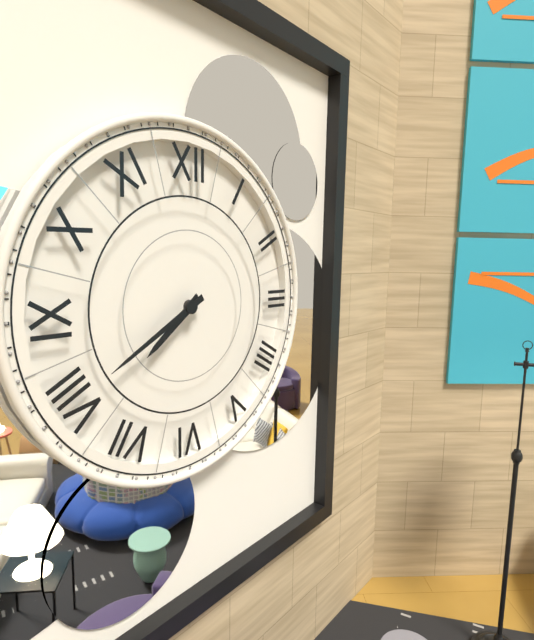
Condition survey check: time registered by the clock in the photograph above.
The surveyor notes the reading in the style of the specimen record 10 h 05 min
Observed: 7 h 40 min
